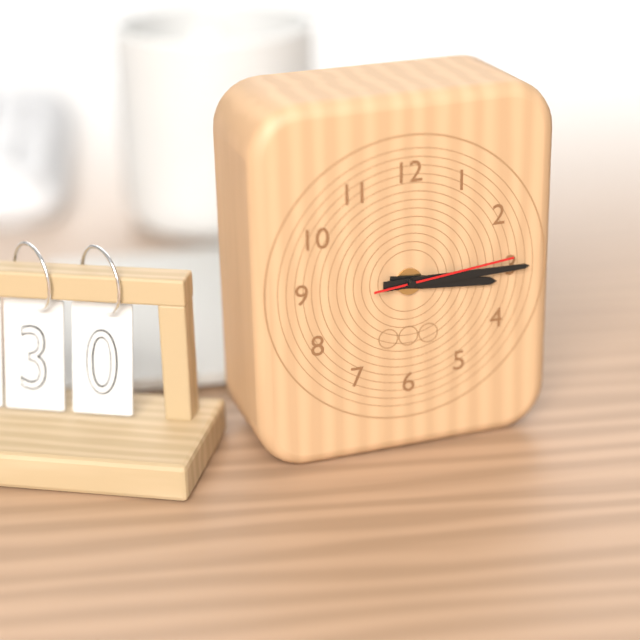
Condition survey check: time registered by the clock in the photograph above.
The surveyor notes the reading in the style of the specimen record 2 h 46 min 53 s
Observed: 3 h 15 min 14 s
